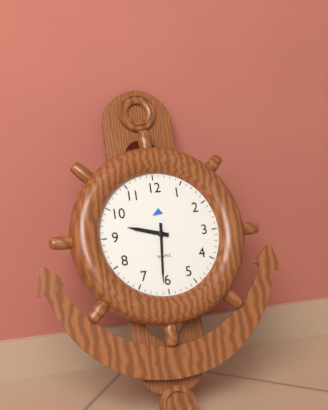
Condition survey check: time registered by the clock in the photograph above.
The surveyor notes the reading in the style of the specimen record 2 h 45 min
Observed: 9 h 31 min
